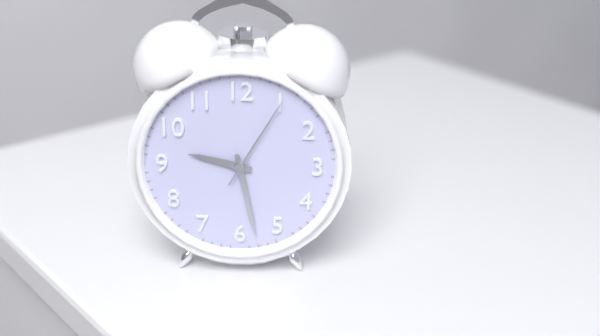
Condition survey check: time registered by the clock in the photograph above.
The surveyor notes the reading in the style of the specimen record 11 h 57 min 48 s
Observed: 9 h 28 min 05 s
